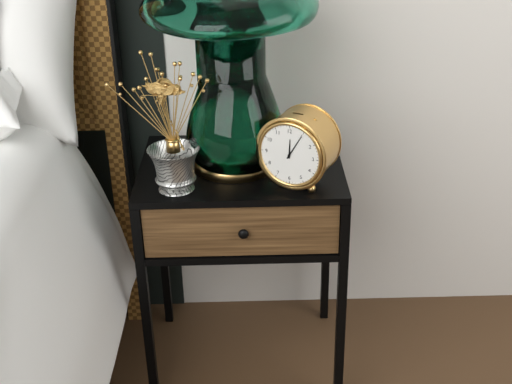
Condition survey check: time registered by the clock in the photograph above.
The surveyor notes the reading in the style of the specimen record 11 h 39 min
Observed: 12 h 05 min
